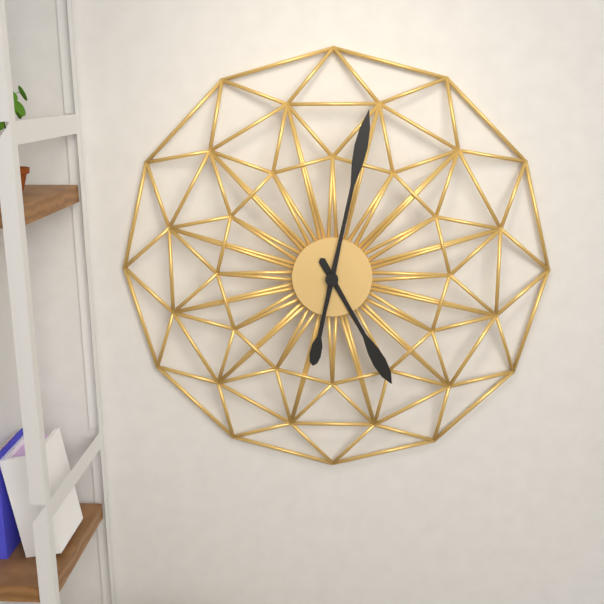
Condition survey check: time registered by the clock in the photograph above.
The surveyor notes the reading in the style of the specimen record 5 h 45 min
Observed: 5 h 02 min
